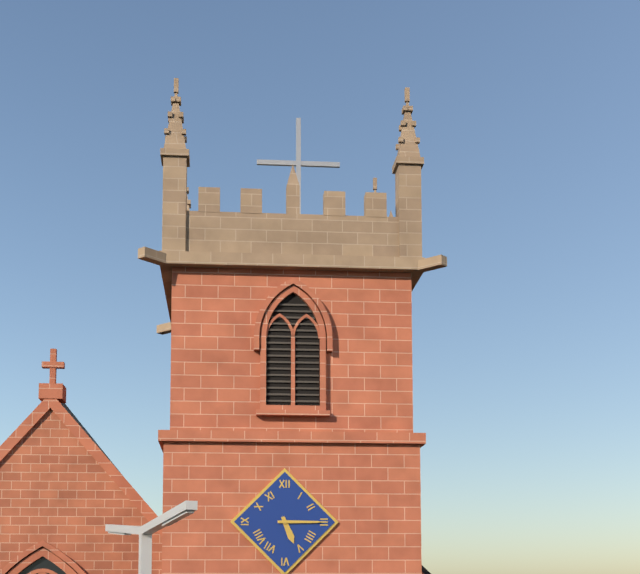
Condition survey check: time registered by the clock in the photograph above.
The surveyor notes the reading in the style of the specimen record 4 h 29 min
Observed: 5 h 15 min
